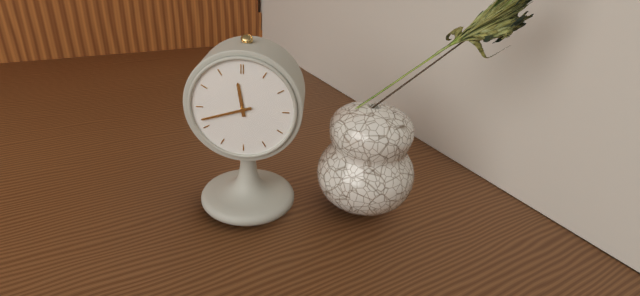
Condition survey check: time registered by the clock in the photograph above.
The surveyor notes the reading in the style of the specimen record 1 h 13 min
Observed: 11 h 42 min
